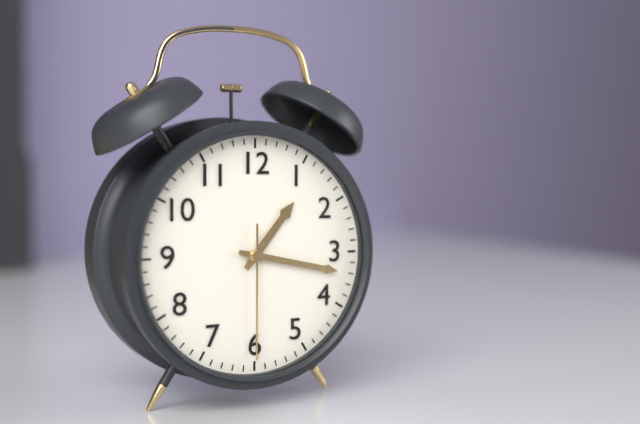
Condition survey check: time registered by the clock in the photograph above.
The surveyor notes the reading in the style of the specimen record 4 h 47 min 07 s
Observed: 1 h 17 min 30 s
